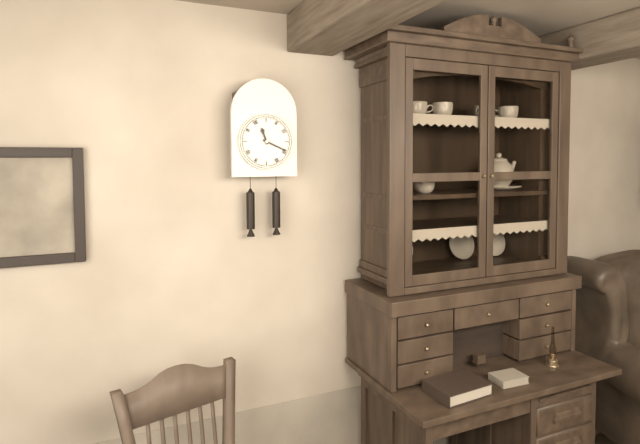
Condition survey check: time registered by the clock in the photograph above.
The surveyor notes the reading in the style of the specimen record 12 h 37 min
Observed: 11 h 19 min
